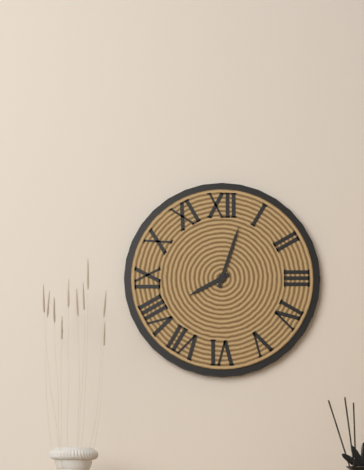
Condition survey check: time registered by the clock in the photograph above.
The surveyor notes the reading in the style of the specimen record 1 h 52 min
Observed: 8 h 03 min
